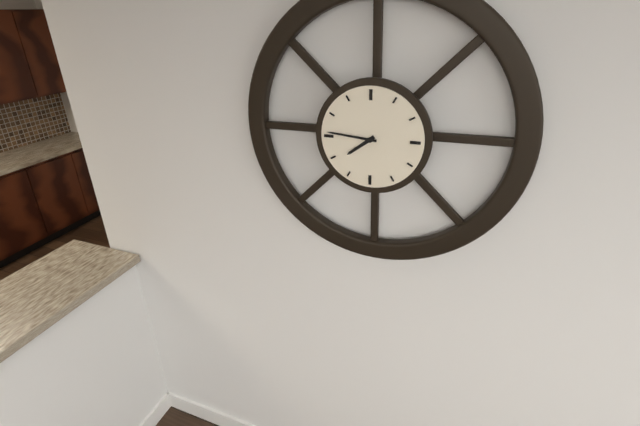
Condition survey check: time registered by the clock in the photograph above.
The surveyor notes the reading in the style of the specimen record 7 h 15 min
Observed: 7 h 46 min
